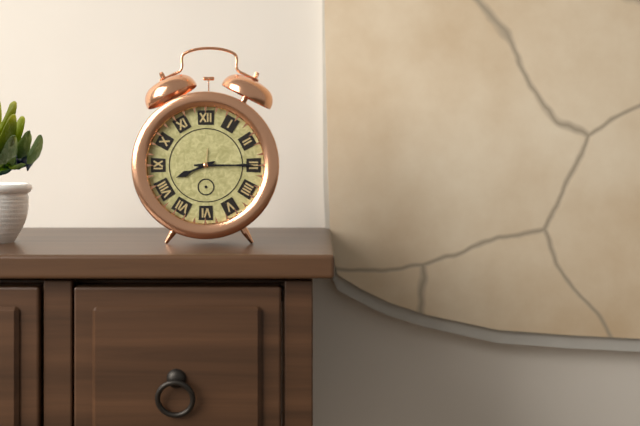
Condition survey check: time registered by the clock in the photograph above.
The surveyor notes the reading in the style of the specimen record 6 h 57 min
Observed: 8 h 15 min
